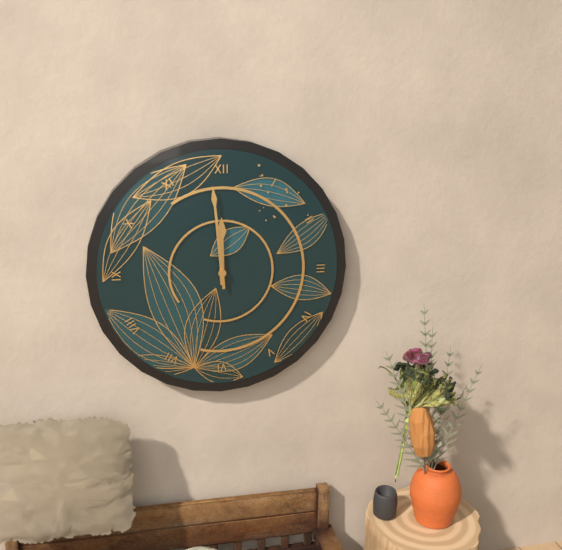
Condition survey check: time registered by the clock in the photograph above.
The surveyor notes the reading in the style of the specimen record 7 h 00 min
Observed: 11 h 59 min
